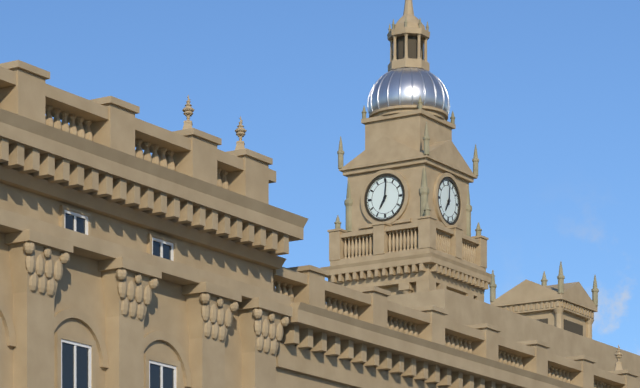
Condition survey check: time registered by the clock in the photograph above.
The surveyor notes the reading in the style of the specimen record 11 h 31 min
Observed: 7 h 01 min
